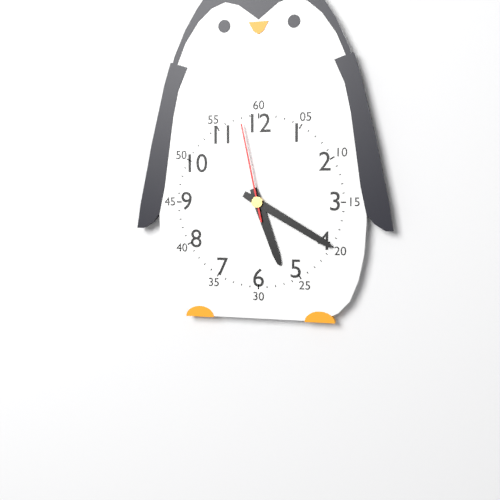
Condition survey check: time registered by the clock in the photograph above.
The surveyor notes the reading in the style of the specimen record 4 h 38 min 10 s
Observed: 5 h 20 min 58 s
